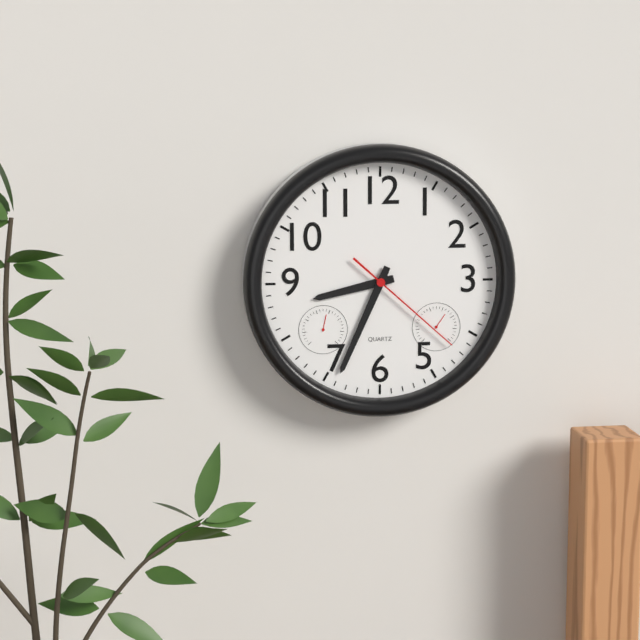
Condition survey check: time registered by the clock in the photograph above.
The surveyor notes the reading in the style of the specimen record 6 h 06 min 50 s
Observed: 8 h 34 min 22 s
